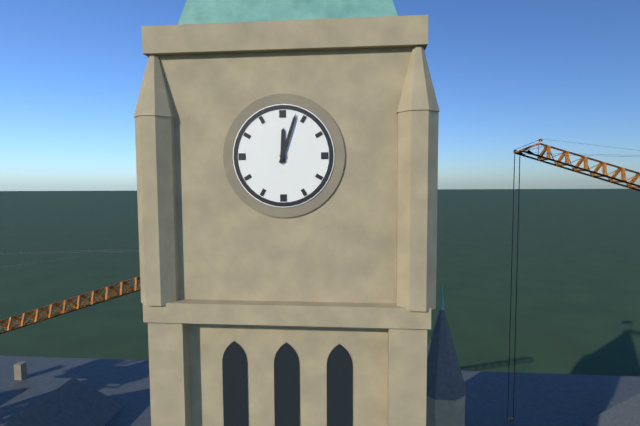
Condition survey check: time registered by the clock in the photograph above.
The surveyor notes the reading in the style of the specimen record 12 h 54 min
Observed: 12 h 03 min
